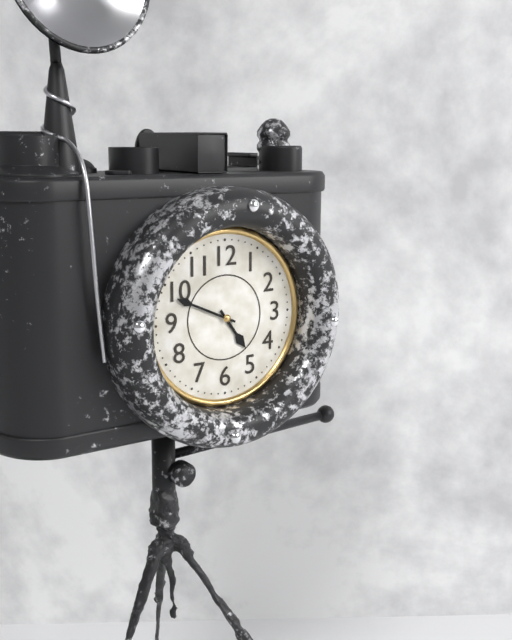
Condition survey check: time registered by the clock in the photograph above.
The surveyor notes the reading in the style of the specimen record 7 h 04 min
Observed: 4 h 49 min
